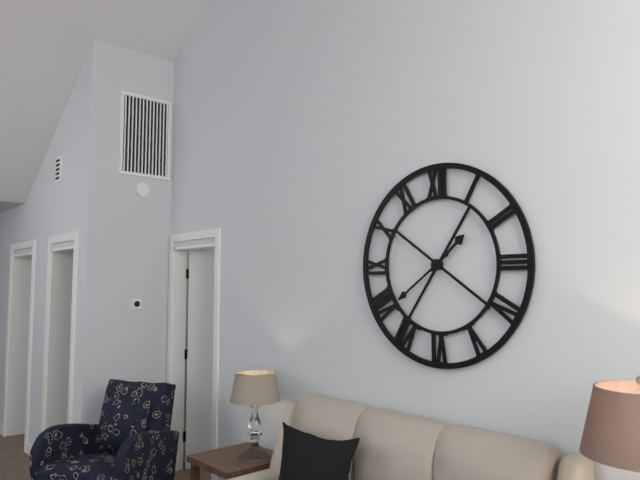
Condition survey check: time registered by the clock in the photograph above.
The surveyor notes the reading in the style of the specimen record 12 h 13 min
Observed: 1 h 39 min
